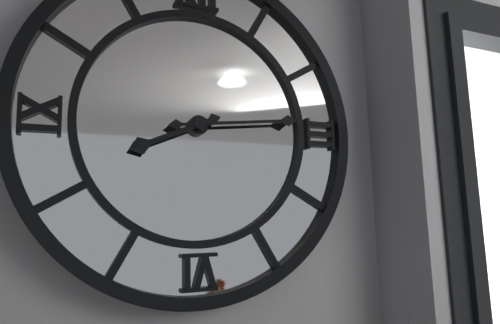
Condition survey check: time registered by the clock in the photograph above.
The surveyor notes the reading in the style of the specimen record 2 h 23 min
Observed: 8 h 14 min
